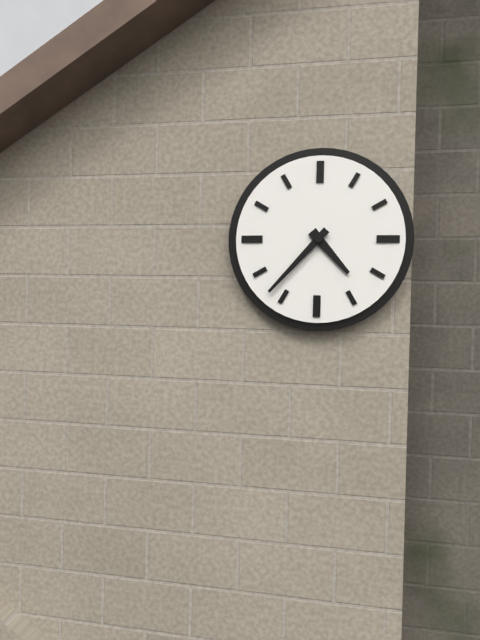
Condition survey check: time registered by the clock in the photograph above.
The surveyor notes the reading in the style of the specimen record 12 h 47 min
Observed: 4 h 37 min
